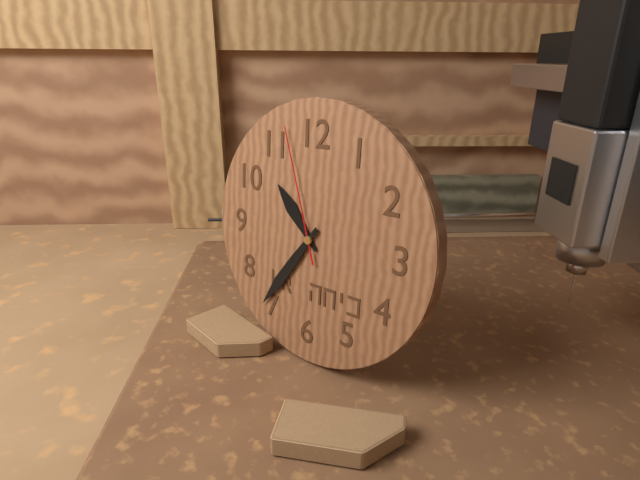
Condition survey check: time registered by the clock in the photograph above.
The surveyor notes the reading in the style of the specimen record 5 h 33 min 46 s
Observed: 10 h 36 min 57 s
